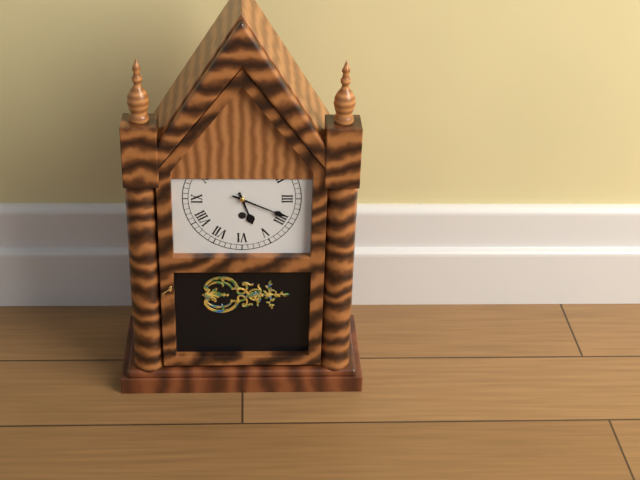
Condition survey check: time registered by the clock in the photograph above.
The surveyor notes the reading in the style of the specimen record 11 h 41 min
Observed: 5 h 19 min
